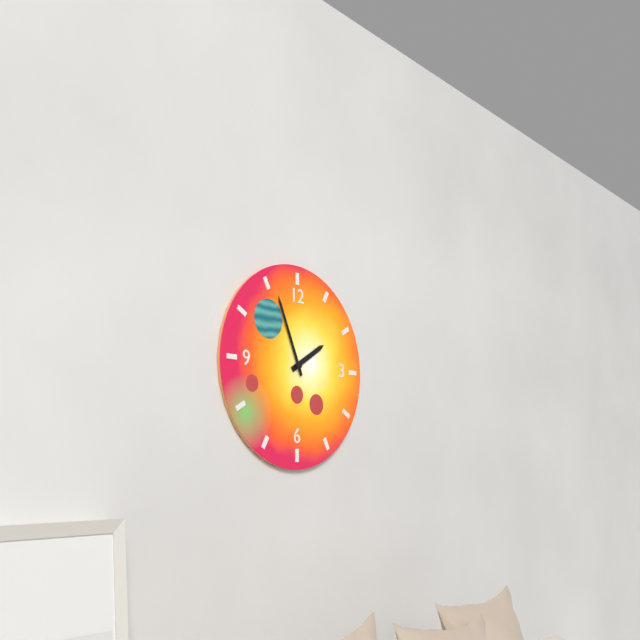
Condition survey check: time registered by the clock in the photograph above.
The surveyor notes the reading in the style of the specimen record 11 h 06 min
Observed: 1 h 56 min
